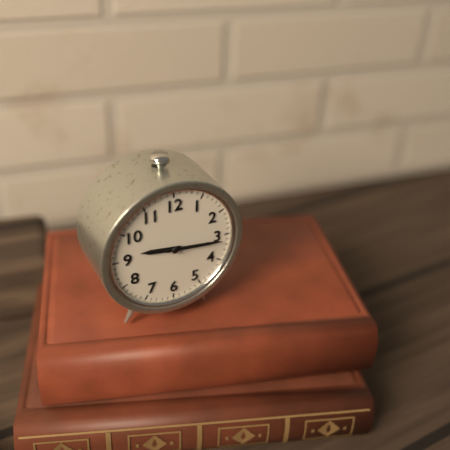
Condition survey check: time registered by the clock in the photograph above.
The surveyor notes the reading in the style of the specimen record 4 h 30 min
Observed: 9 h 16 min
